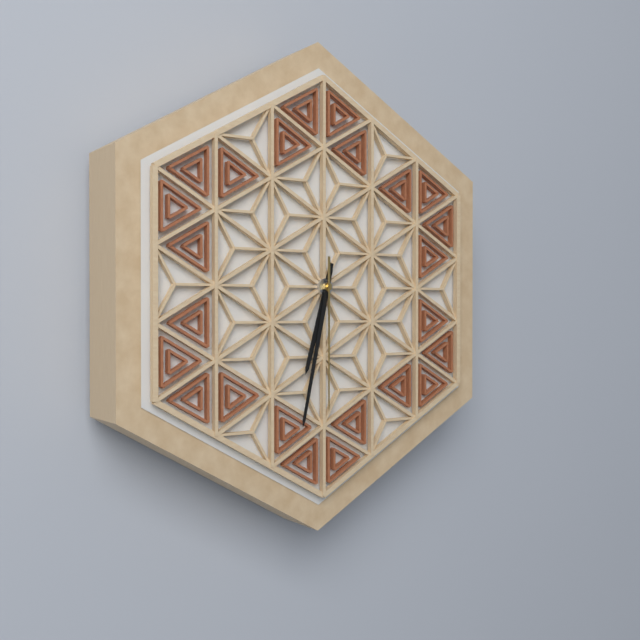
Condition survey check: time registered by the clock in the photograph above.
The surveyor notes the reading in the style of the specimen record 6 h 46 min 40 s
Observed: 6 h 32 min 30 s
